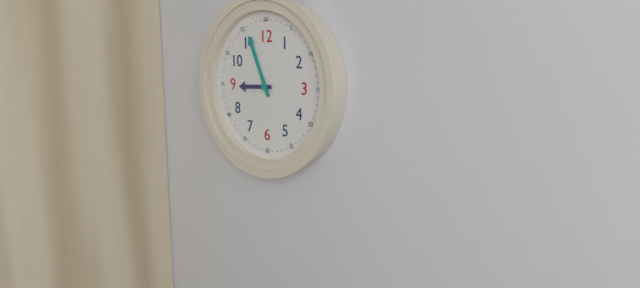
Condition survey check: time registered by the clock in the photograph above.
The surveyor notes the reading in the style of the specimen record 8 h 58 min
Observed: 8 h 56 min
